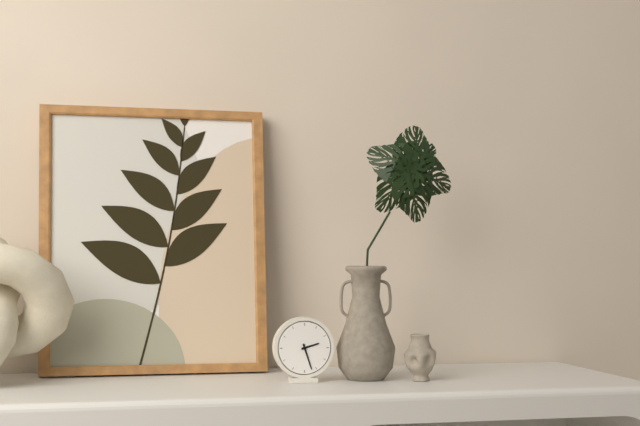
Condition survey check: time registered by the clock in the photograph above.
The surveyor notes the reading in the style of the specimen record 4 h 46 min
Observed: 2 h 27 min
